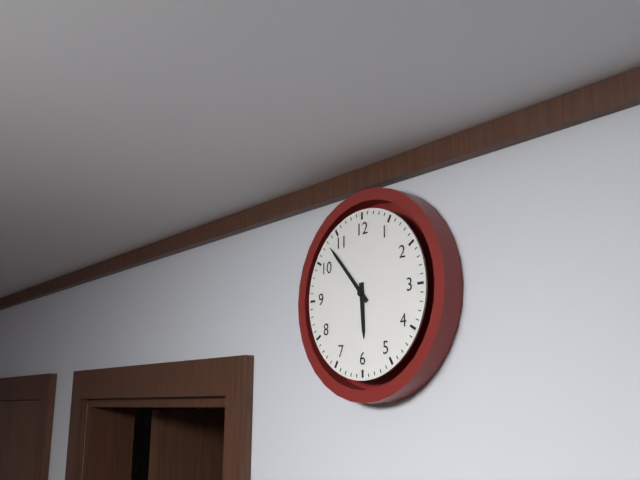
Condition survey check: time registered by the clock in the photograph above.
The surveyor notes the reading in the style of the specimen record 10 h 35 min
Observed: 5 h 53 min
